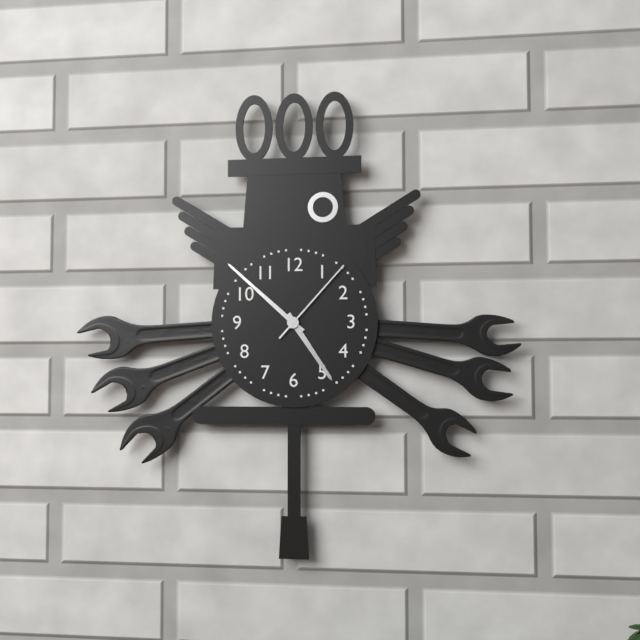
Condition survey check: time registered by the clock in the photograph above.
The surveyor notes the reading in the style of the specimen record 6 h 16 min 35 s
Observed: 4 h 52 min 07 s
